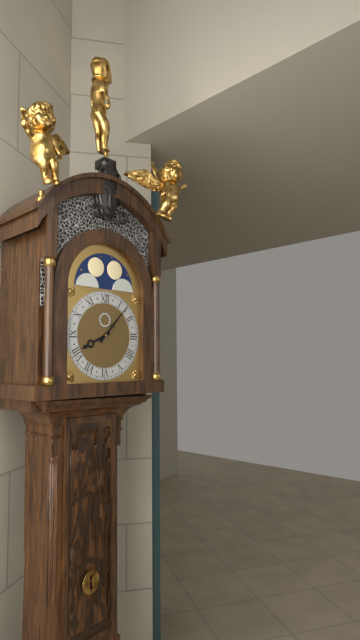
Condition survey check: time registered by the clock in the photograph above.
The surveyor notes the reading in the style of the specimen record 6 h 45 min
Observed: 8 h 07 min
